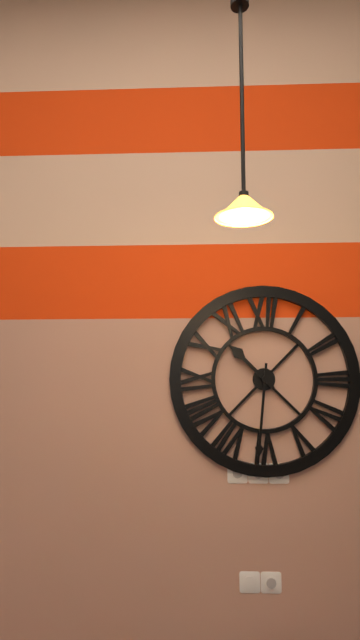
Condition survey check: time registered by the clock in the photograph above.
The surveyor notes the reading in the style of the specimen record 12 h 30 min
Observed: 10 h 31 min
